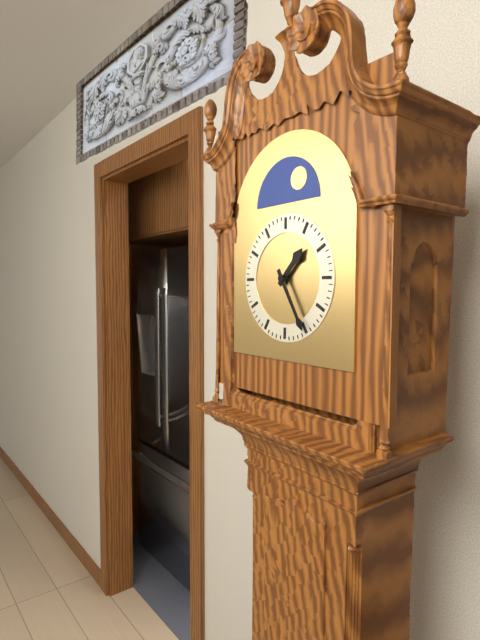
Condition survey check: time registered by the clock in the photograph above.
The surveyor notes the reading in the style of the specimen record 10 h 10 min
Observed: 1 h 25 min
